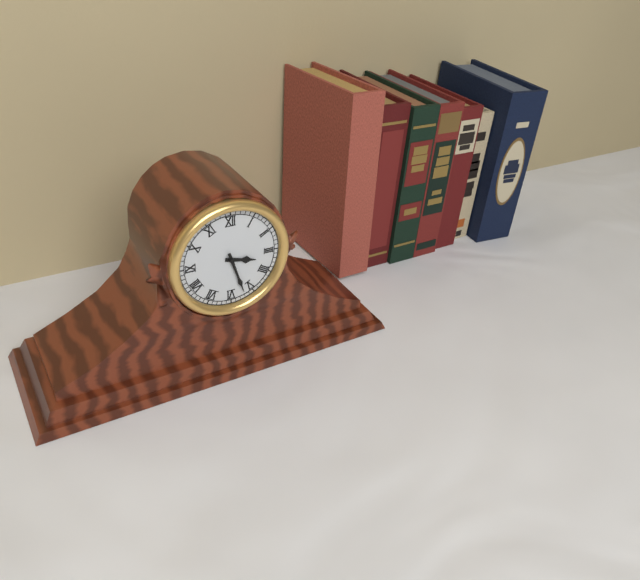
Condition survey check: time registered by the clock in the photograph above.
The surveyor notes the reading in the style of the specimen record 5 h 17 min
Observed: 3 h 27 min
